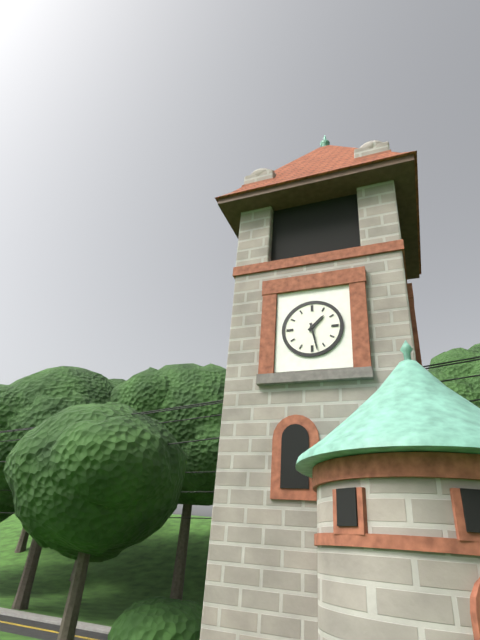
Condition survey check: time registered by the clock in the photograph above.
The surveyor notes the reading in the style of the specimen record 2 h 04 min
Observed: 1 h 28 min
